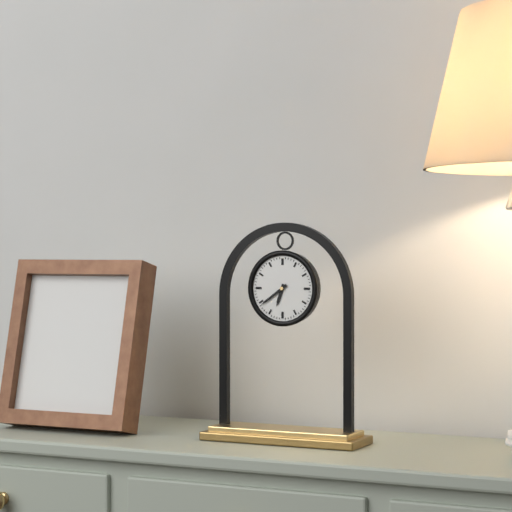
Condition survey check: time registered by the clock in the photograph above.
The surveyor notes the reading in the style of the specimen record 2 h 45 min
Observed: 6 h 39 min
